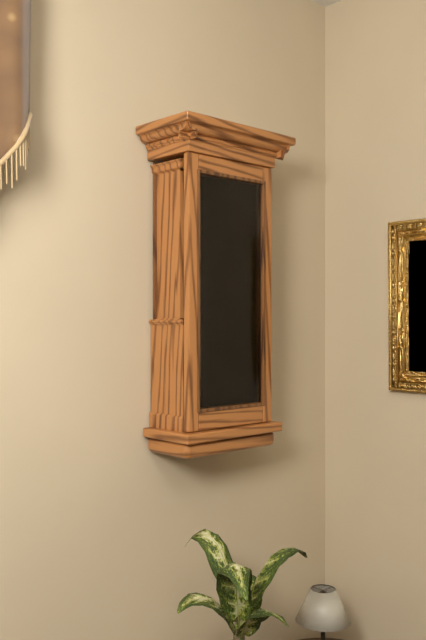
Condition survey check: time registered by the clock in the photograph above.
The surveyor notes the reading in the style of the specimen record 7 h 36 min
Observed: 6 h 20 min
